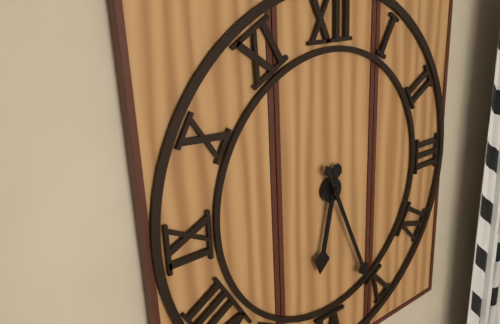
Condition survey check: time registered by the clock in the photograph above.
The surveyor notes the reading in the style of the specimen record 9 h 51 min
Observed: 6 h 26 min
